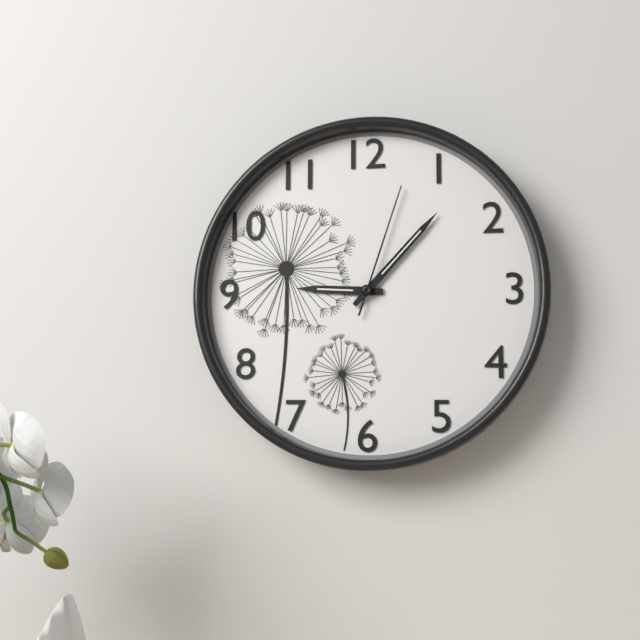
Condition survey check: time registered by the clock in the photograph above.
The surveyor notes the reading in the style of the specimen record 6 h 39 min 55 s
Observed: 9 h 07 min 03 s
